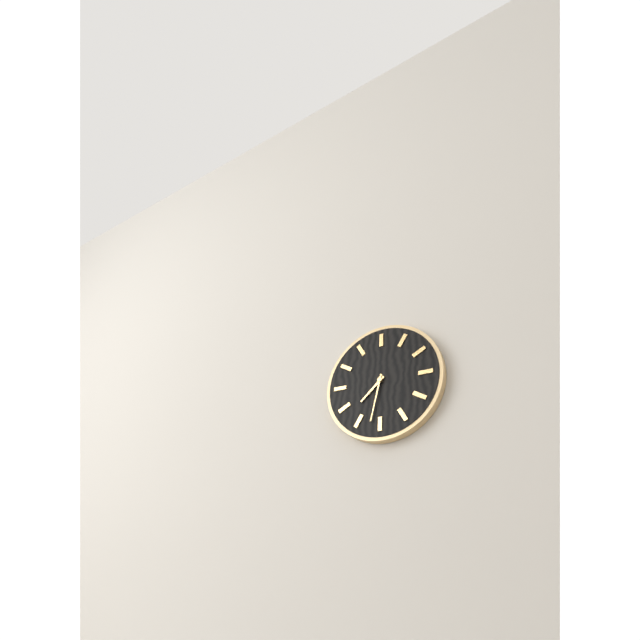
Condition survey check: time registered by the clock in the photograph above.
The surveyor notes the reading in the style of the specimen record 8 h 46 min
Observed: 7 h 32 min
